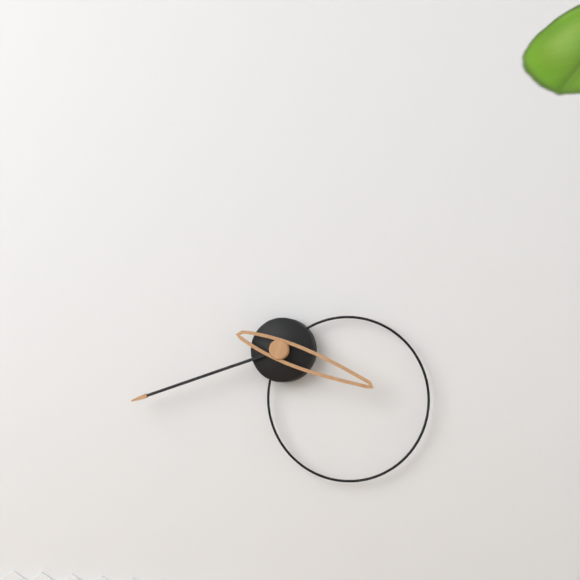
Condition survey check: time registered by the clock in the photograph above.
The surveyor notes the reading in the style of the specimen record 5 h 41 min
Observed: 3 h 42 min
